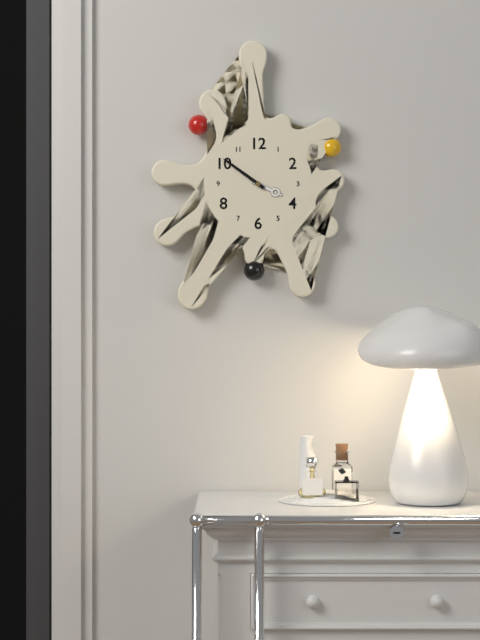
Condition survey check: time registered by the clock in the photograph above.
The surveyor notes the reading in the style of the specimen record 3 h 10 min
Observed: 3 h 51 min
